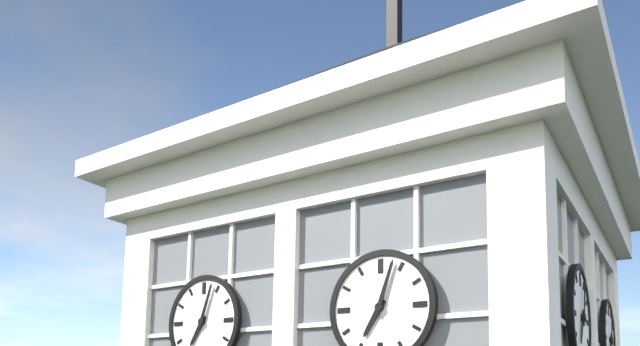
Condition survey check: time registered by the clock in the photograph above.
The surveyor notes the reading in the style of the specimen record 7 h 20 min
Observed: 7 h 03 min
